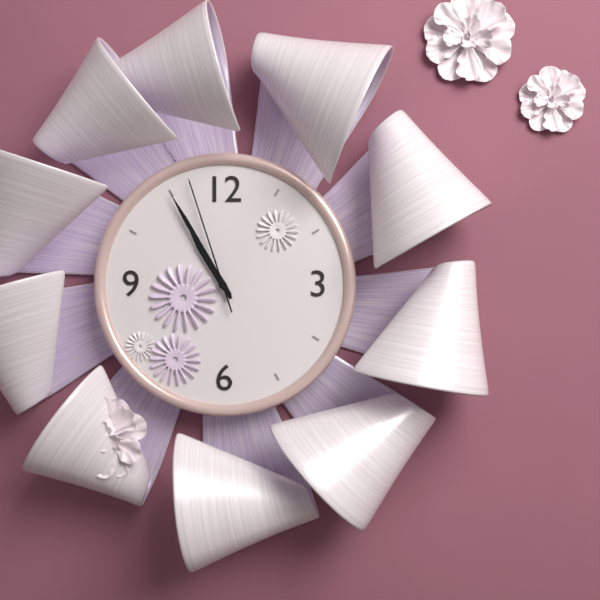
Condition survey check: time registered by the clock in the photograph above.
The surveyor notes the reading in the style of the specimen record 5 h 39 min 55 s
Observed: 10 h 55 min 57 s
